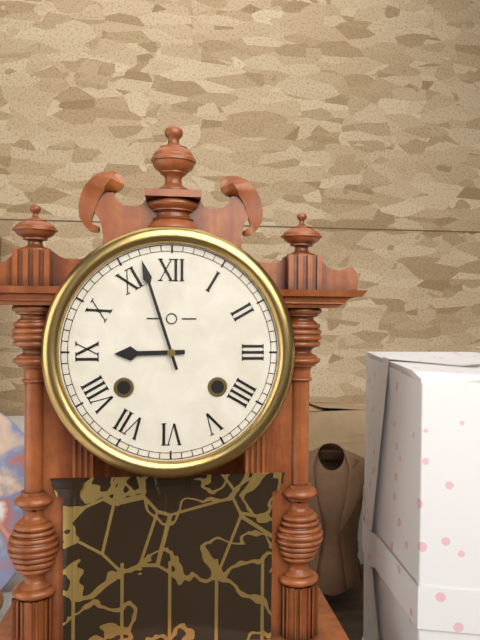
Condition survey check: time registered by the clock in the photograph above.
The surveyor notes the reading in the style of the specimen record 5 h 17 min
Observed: 8 h 57 min
